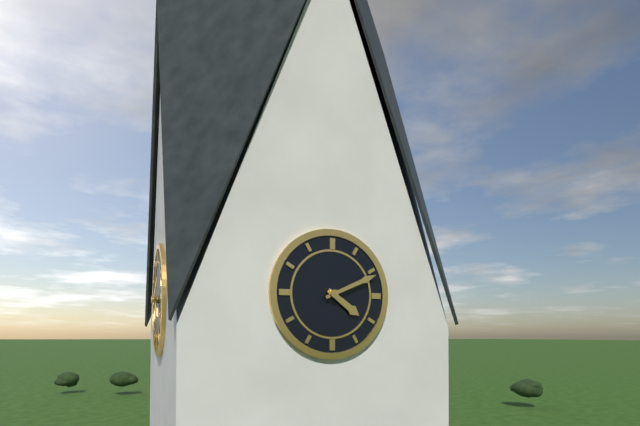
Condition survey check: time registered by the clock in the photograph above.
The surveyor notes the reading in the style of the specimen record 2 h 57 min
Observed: 4 h 11 min
